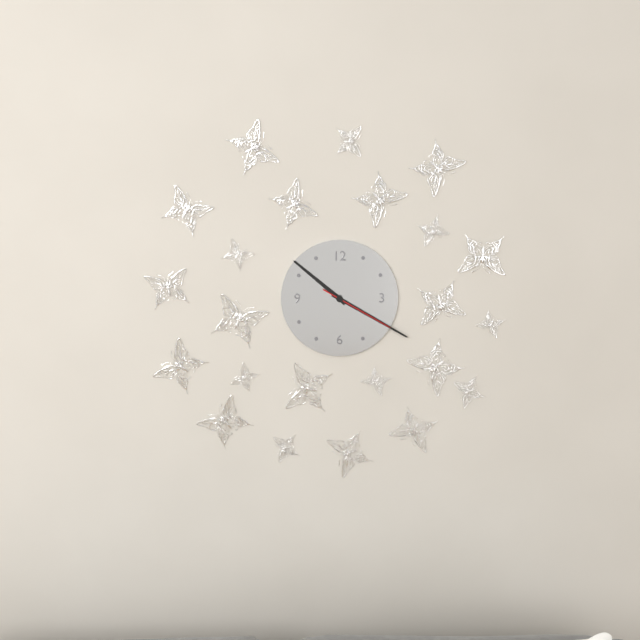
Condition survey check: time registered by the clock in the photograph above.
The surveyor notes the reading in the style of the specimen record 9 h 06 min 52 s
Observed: 10 h 20 min 20 s
